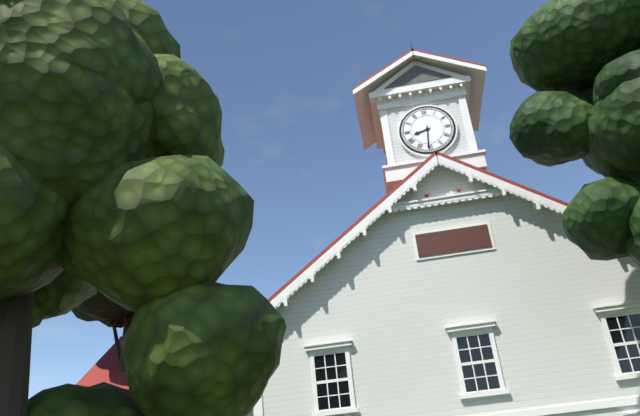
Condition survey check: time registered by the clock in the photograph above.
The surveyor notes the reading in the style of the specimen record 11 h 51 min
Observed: 8 h 31 min
